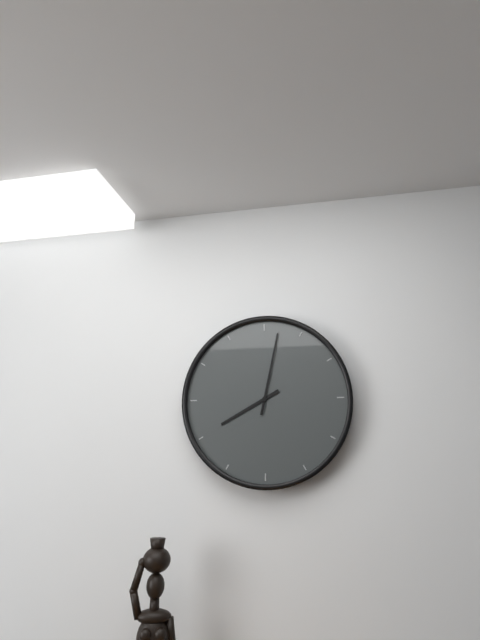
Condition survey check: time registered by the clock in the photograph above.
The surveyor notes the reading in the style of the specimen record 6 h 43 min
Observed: 8 h 02 min
